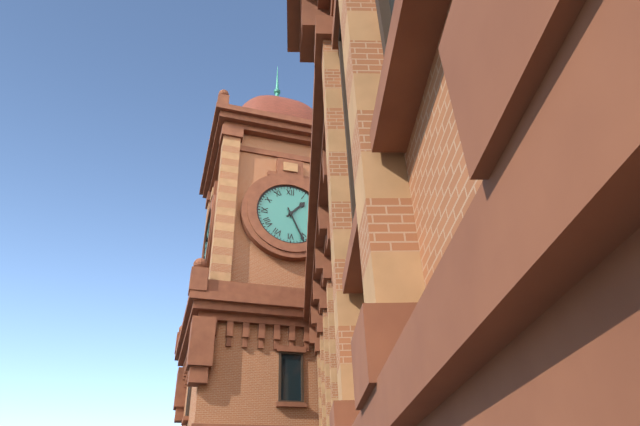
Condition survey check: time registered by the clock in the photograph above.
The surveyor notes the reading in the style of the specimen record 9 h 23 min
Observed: 1 h 26 min
